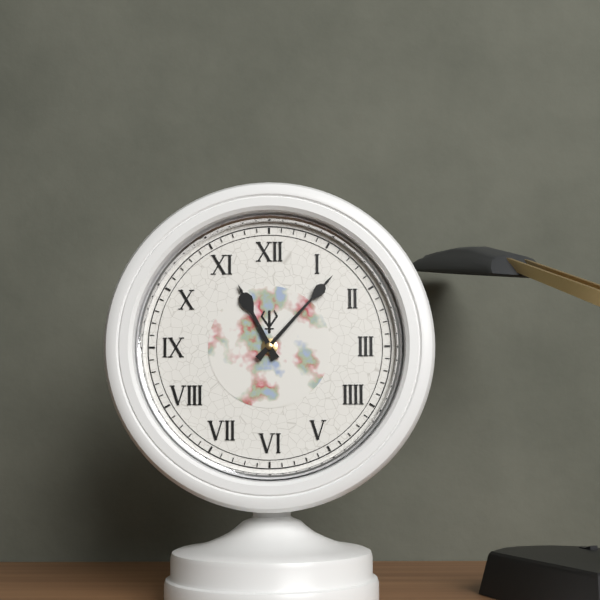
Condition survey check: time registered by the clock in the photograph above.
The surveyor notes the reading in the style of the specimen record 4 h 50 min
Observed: 11 h 07 min
